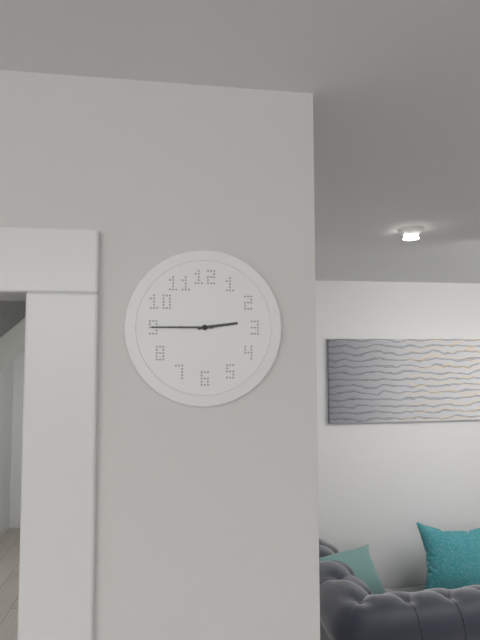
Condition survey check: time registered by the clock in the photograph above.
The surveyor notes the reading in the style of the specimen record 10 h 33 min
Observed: 2 h 45 min
